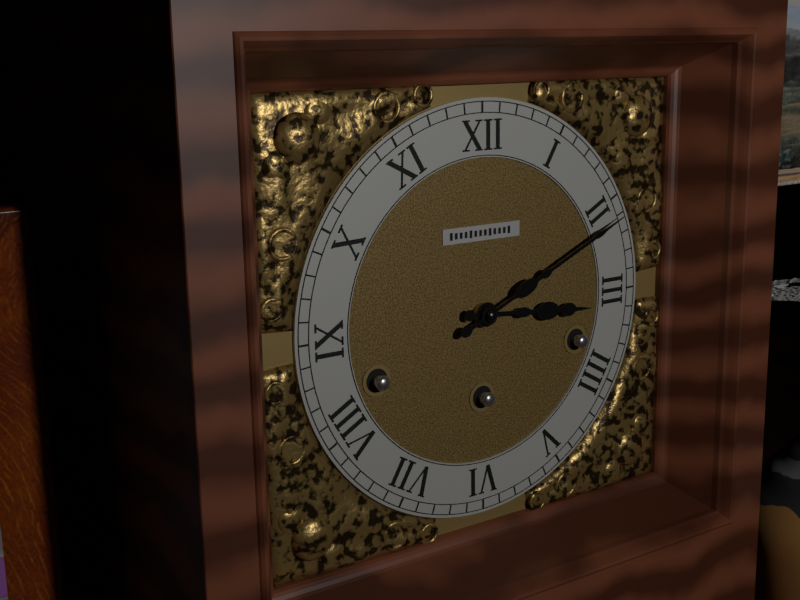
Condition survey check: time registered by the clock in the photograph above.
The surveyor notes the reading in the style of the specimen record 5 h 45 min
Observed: 3 h 11 min
